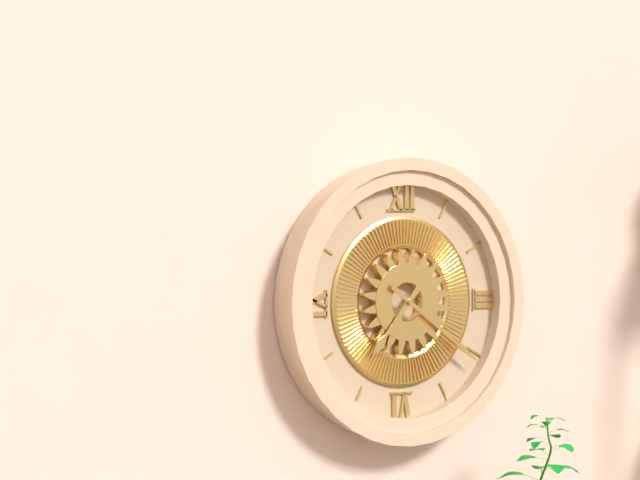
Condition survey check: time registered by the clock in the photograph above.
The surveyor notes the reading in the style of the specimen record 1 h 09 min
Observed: 7 h 21 min
